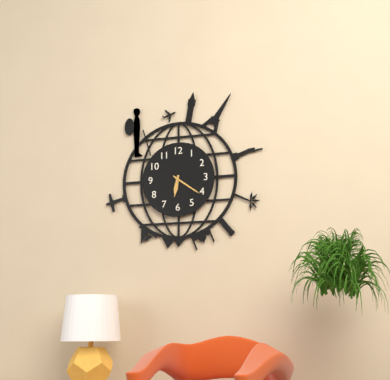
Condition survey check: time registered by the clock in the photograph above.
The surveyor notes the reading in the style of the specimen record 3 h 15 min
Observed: 6 h 21 min
